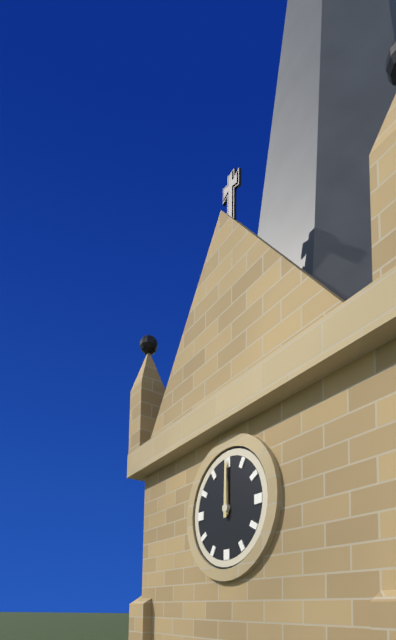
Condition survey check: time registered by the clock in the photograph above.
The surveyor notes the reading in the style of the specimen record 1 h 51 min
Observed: 12 h 00 min
